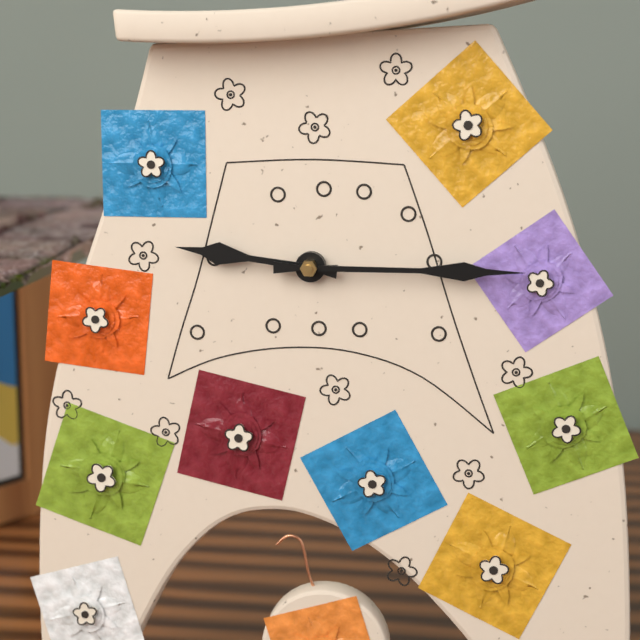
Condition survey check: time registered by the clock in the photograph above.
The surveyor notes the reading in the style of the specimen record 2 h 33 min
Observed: 9 h 15 min
